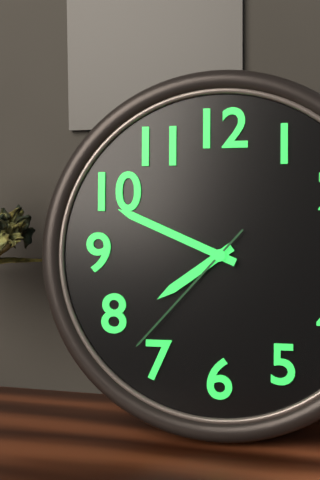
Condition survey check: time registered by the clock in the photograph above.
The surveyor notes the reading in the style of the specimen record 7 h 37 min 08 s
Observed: 7 h 49 min 37 s
